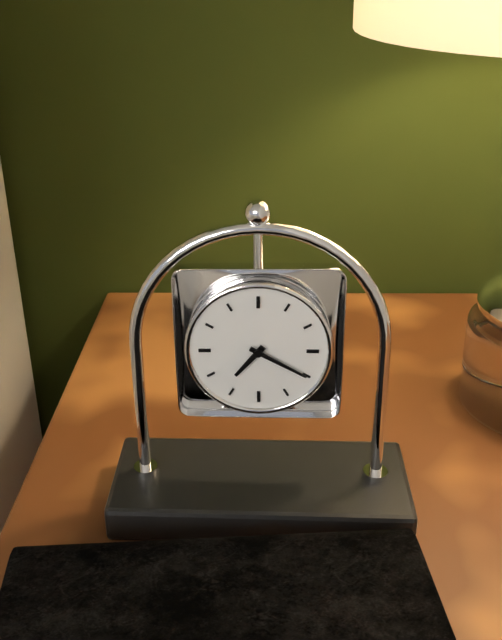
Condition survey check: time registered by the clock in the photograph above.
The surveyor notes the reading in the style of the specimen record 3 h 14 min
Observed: 7 h 20 min
